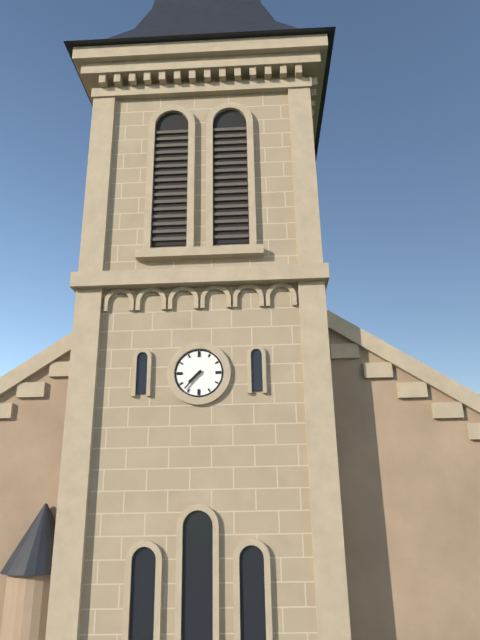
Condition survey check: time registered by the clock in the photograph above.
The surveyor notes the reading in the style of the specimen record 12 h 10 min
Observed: 7 h 37 min
